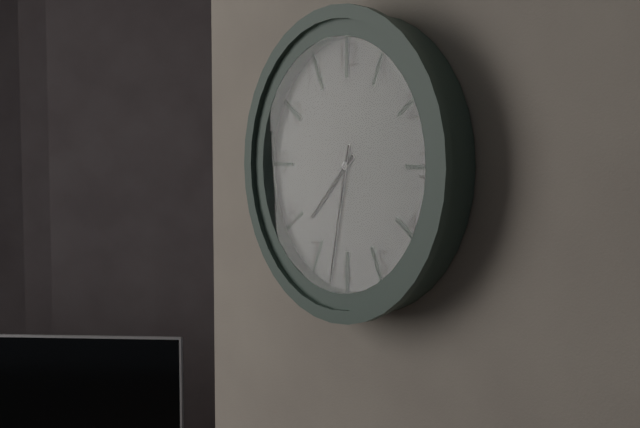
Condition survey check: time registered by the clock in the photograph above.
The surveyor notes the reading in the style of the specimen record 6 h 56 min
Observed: 7 h 32 min
